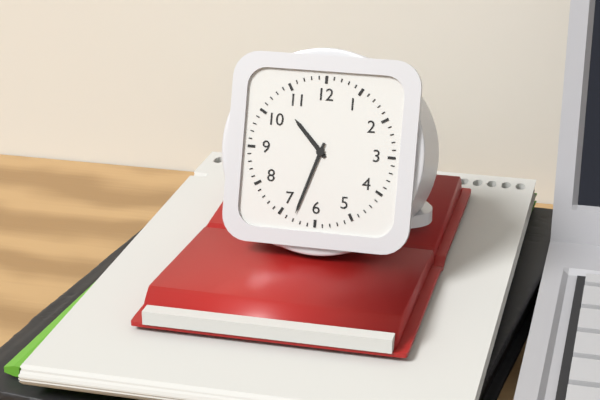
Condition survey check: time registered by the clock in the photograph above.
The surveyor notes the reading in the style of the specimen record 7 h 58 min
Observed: 10 h 33 min
